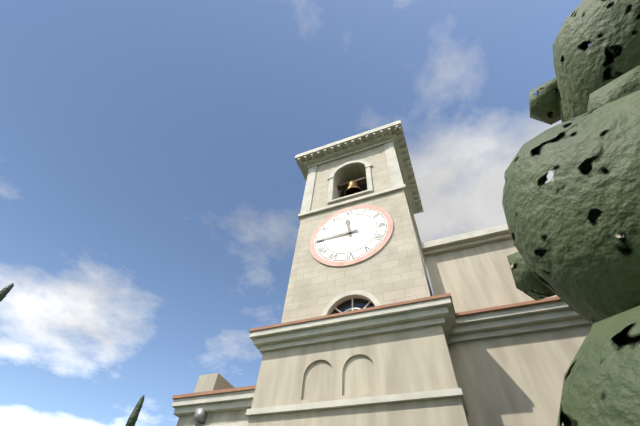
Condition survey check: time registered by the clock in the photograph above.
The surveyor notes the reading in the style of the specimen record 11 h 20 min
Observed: 11 h 45 min
